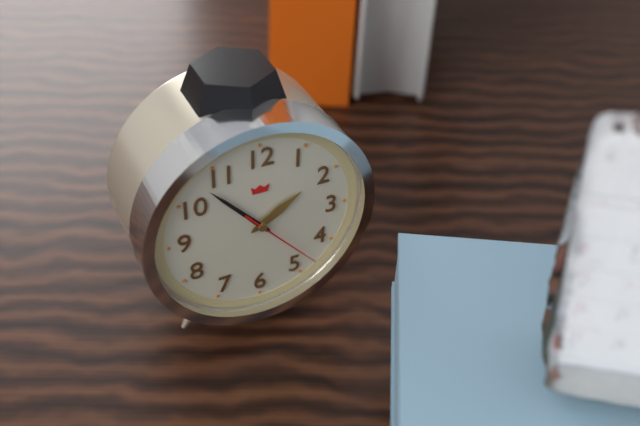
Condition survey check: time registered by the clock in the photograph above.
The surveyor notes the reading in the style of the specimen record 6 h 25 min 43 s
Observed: 1 h 53 min 23 s
